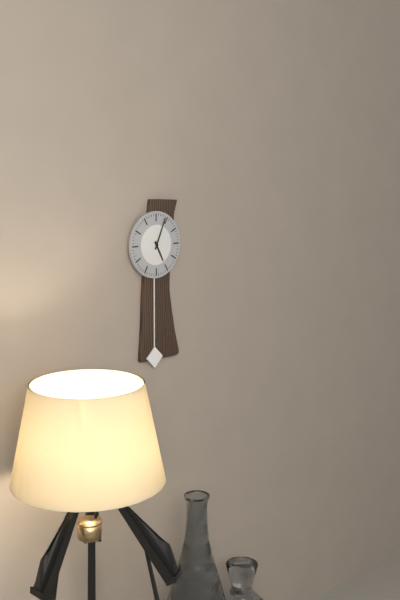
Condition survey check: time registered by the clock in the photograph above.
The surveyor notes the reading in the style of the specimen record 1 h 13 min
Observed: 5 h 04 min
